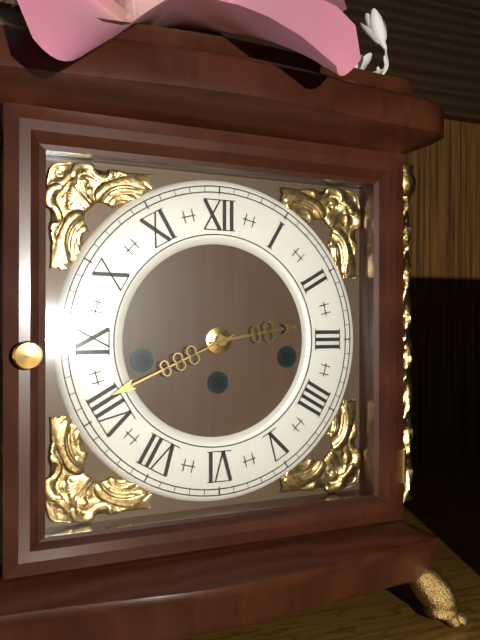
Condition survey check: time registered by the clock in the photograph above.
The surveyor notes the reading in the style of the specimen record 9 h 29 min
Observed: 2 h 41 min
